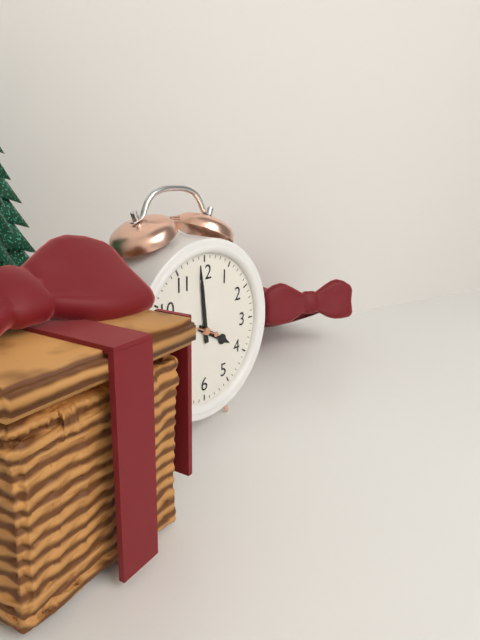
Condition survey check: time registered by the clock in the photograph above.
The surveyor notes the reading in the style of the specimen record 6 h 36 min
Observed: 3 h 59 min
